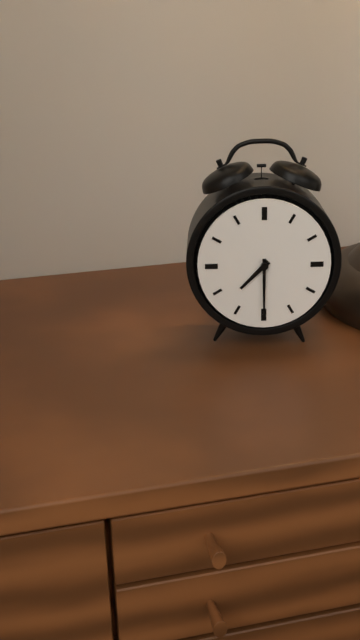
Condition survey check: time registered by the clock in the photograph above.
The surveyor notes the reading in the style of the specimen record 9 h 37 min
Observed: 7 h 30 min
